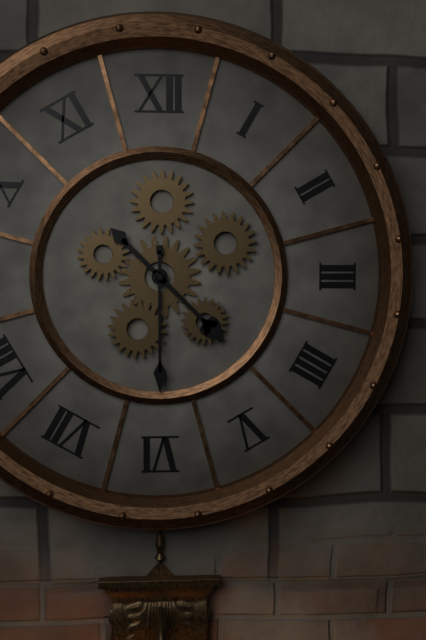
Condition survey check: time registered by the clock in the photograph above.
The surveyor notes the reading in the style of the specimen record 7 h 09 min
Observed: 4 h 30 min
